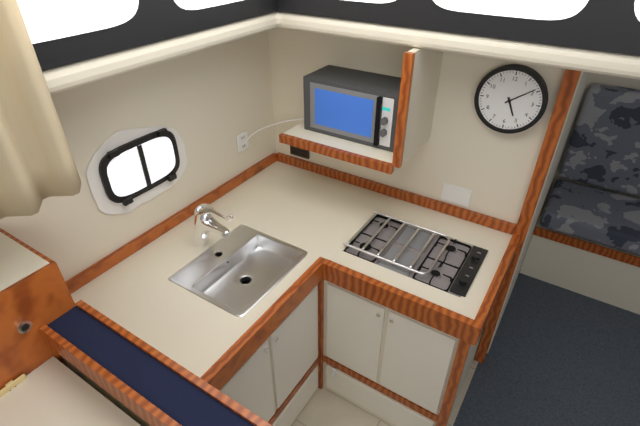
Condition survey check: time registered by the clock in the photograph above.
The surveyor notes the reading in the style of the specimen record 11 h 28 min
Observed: 5 h 09 min
